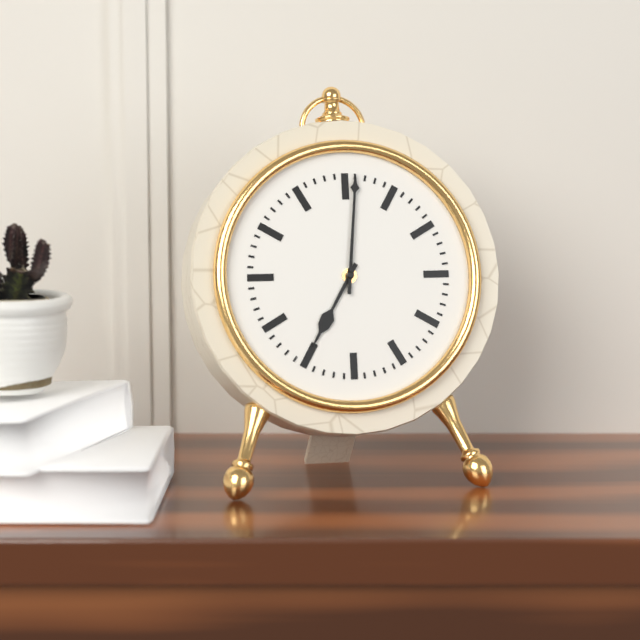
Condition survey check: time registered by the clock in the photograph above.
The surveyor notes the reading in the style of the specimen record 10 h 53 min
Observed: 7 h 01 min
